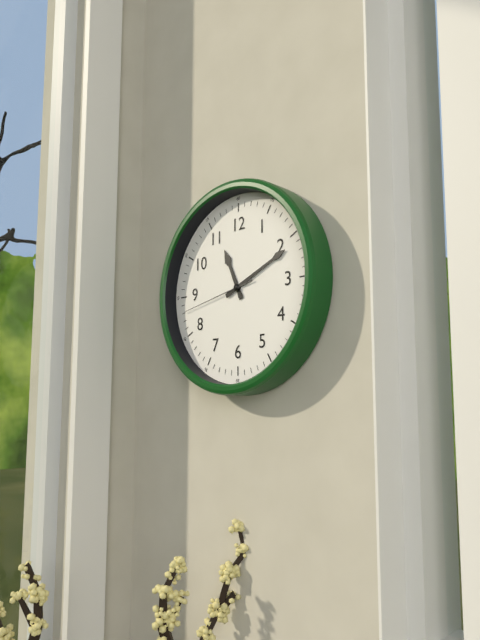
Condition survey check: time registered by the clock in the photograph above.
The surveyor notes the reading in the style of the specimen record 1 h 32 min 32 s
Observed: 11 h 11 min 43 s
